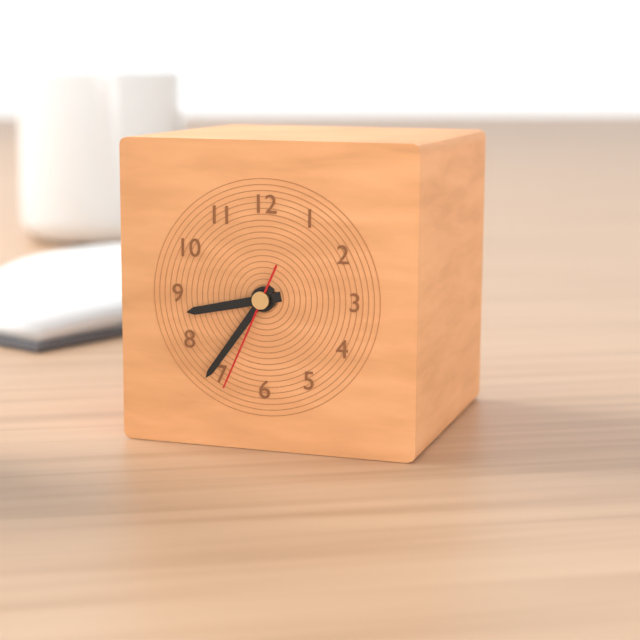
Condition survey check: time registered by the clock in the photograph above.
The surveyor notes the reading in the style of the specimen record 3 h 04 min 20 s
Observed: 8 h 36 min 34 s
